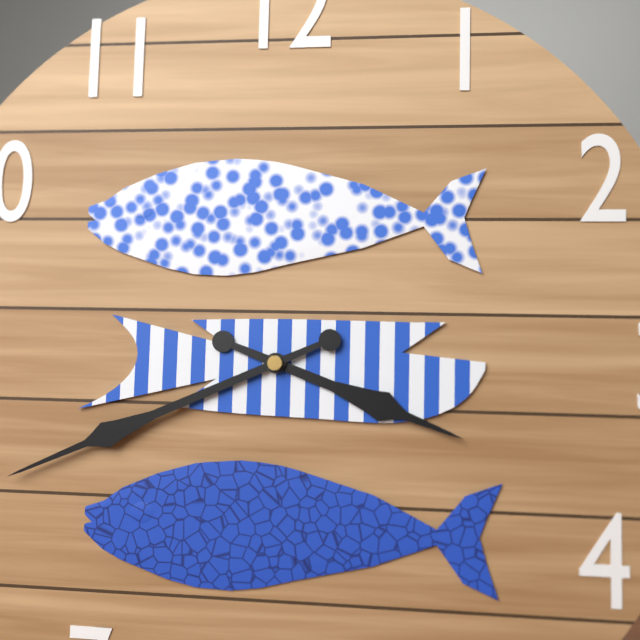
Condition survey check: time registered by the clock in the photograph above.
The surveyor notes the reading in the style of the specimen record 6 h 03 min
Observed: 3 h 41 min
